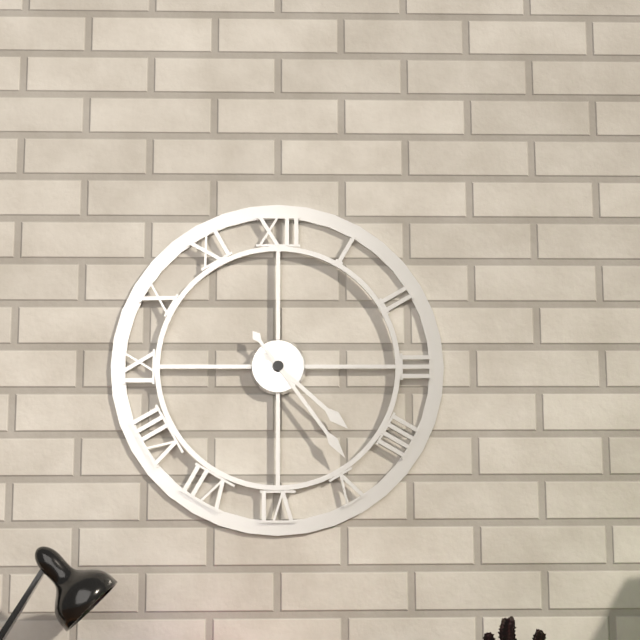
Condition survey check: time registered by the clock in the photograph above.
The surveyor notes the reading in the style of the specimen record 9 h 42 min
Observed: 4 h 24 min
